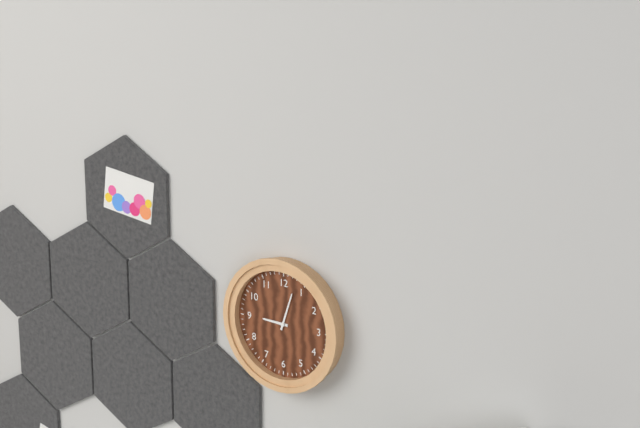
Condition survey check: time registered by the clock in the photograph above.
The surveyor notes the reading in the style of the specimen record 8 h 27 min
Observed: 9 h 03 min
